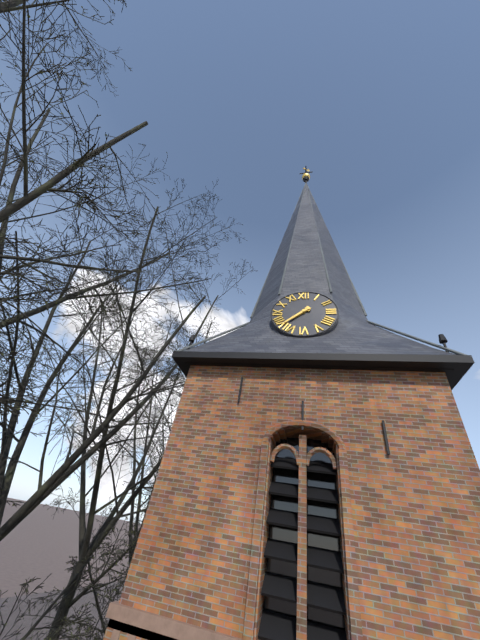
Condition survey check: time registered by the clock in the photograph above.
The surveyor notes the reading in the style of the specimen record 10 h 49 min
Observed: 7 h 38 min
